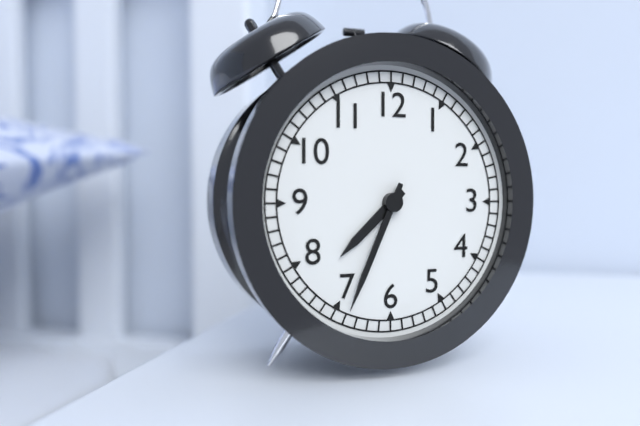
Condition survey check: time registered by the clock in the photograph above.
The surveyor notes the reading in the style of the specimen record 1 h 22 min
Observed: 7 h 34 min
